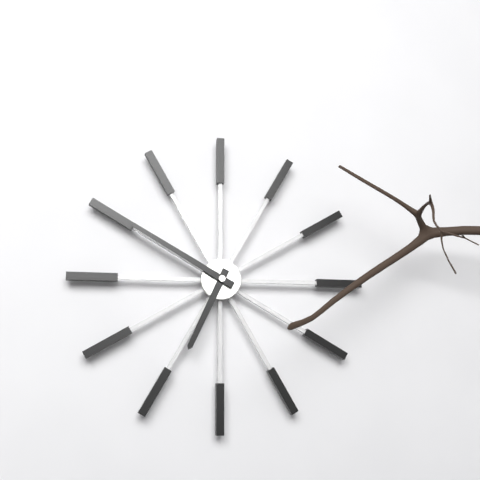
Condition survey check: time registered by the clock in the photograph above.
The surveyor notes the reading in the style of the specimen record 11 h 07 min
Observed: 6 h 50 min
